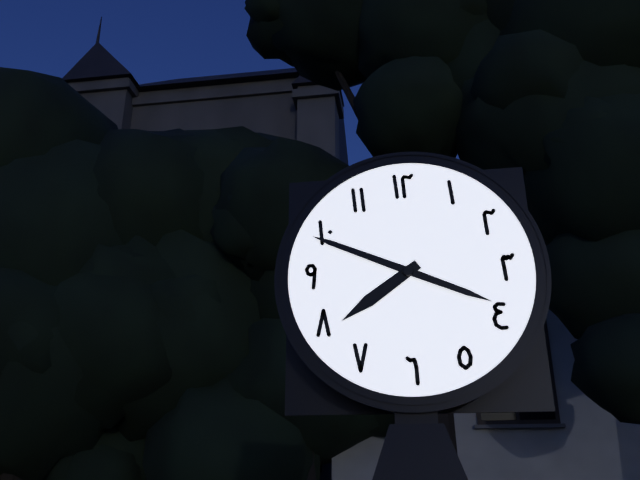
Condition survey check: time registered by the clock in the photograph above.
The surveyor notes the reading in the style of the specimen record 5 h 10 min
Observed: 7 h 49 min
